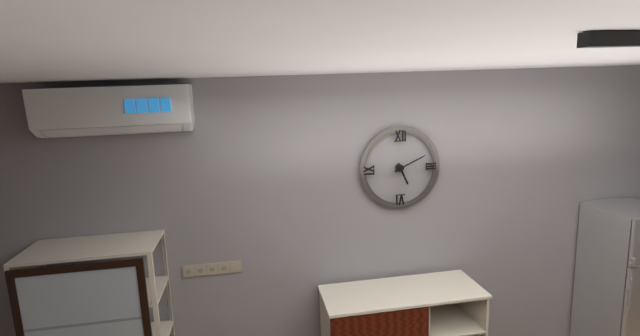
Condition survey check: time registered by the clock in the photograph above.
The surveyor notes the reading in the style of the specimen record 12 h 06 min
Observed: 5 h 11 min
